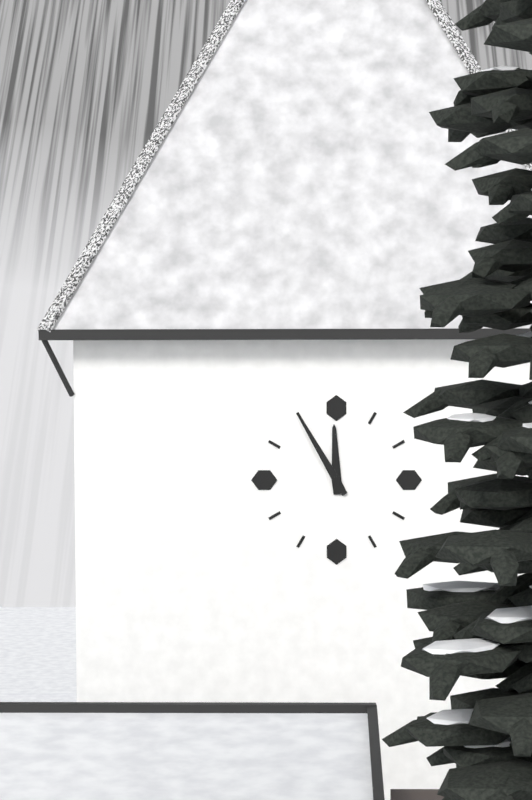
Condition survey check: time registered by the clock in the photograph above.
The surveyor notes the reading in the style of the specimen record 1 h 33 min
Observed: 11 h 55 min
